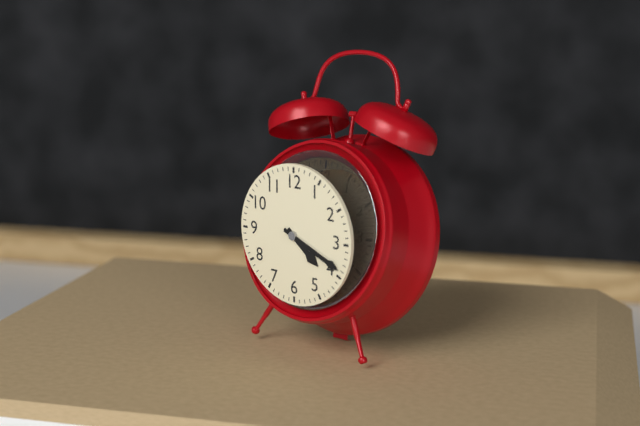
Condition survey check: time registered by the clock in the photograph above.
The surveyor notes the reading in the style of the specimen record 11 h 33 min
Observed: 4 h 19 min
